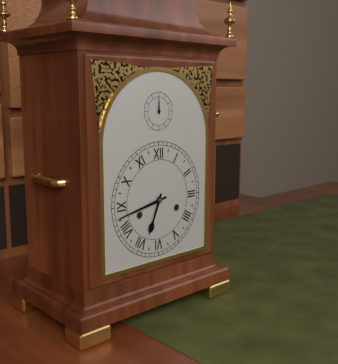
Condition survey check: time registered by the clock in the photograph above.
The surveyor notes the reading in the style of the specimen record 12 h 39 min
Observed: 6 h 43 min
